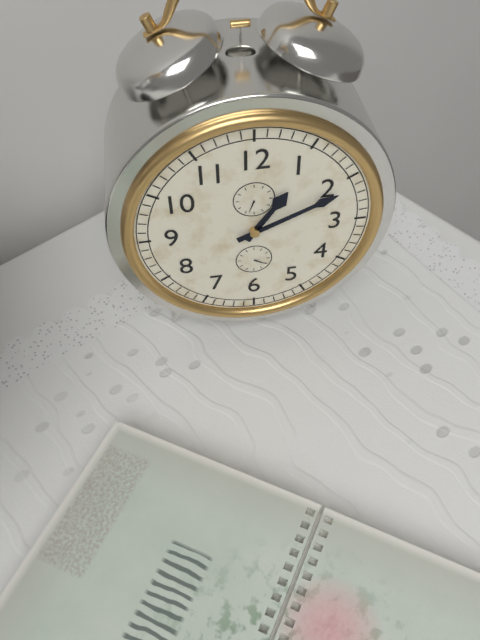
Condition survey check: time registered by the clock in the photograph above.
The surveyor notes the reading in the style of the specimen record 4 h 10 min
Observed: 1 h 11 min
